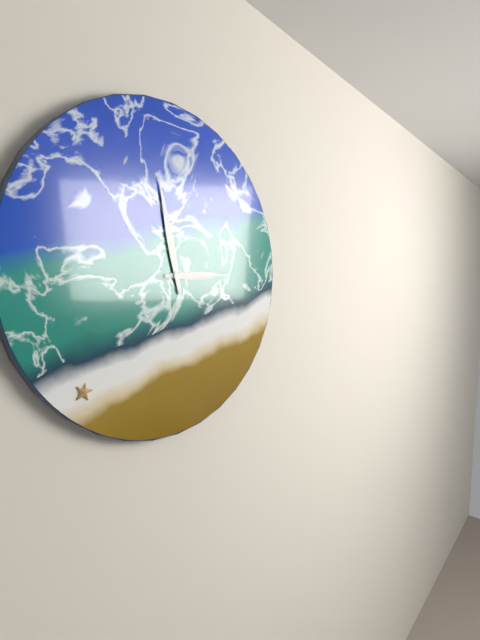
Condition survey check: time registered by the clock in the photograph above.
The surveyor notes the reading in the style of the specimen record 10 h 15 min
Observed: 2 h 58 min
